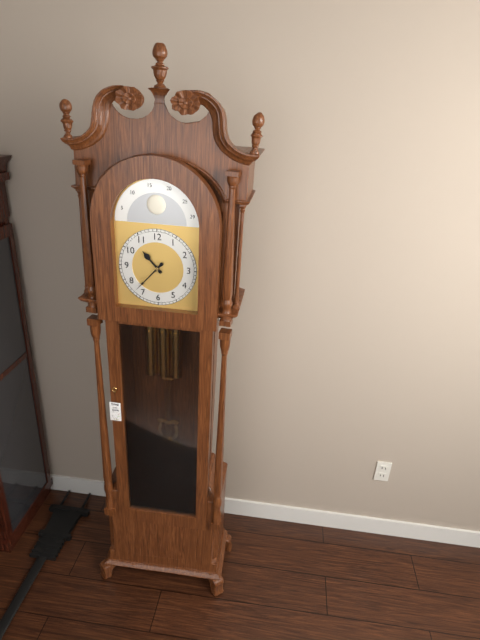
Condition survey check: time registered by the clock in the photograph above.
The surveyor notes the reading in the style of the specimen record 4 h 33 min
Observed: 10 h 37 min
